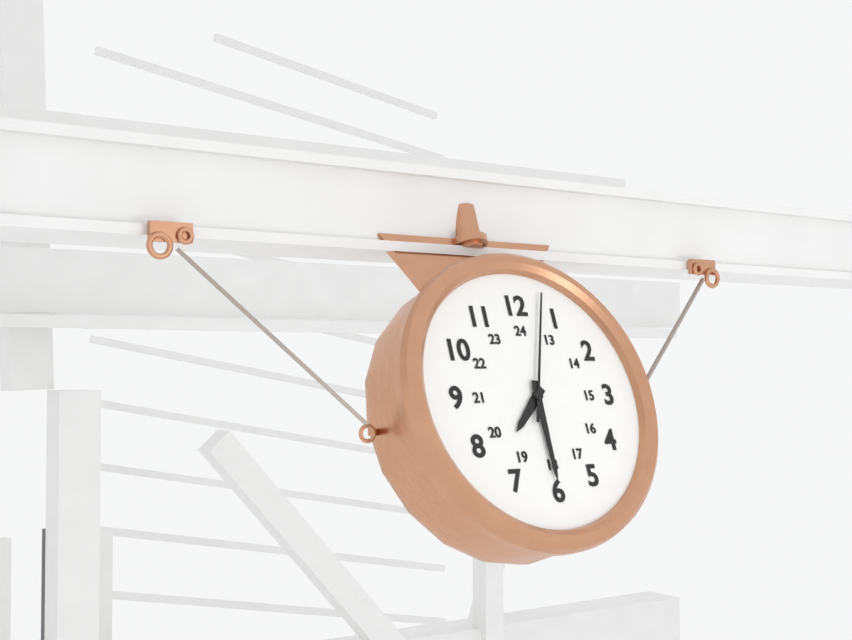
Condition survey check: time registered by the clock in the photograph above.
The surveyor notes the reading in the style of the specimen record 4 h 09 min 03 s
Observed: 7 h 30 min 03 s
